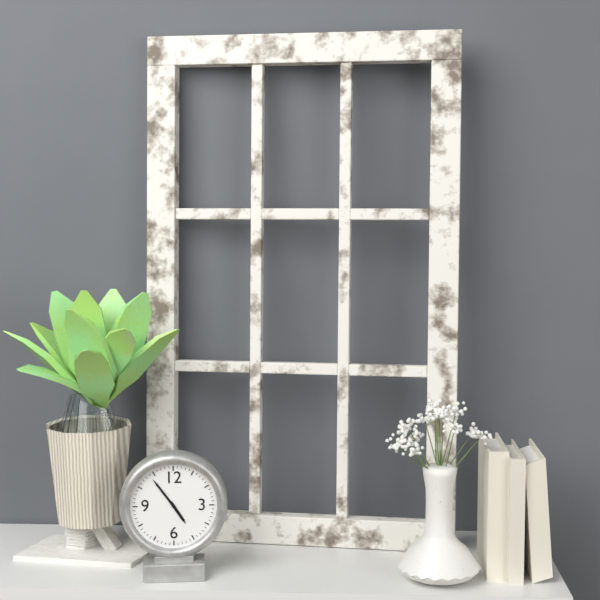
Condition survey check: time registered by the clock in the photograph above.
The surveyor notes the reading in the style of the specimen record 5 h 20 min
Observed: 4 h 54 min
